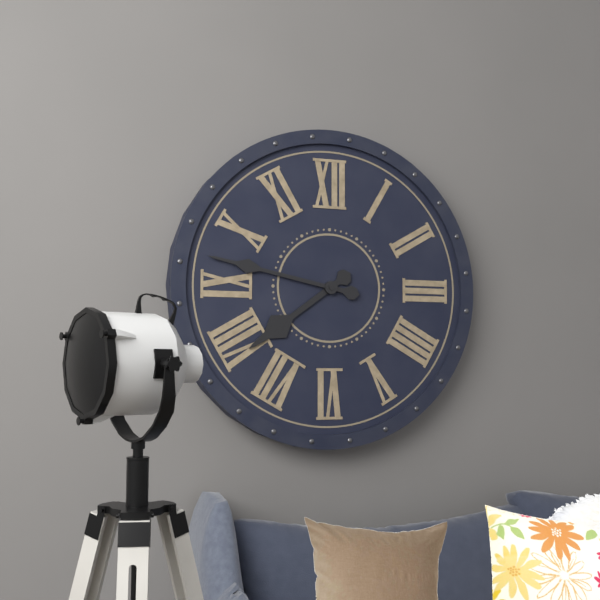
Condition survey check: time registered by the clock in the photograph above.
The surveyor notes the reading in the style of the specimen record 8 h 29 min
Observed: 7 h 47 min
